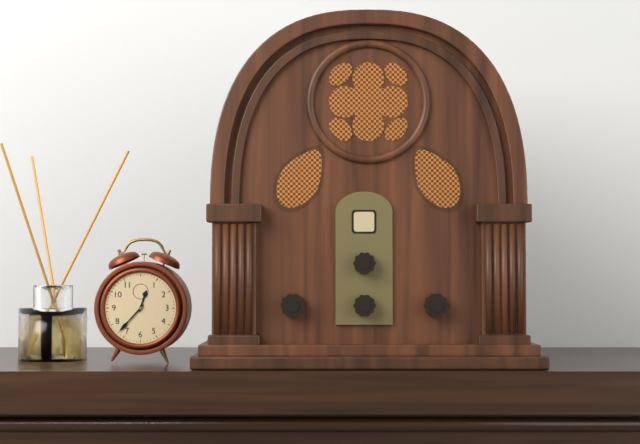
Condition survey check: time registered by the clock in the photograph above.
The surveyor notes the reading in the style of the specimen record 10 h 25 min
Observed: 12 h 37 min
